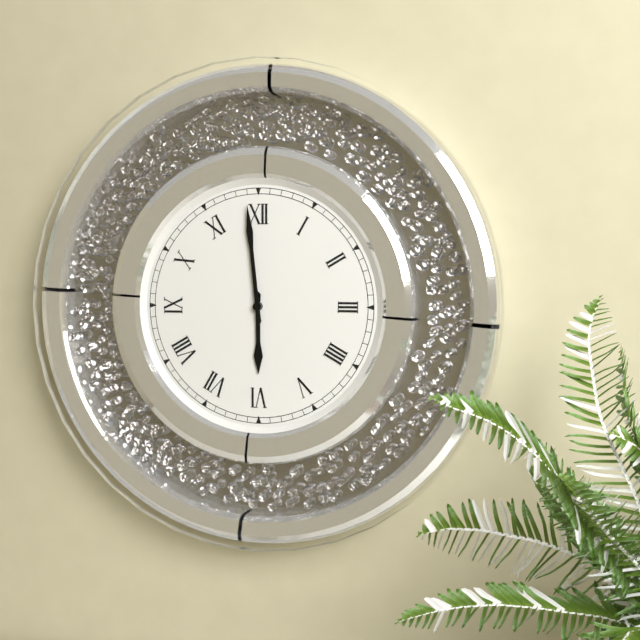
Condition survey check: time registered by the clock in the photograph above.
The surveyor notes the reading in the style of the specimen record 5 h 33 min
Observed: 5 h 59 min
